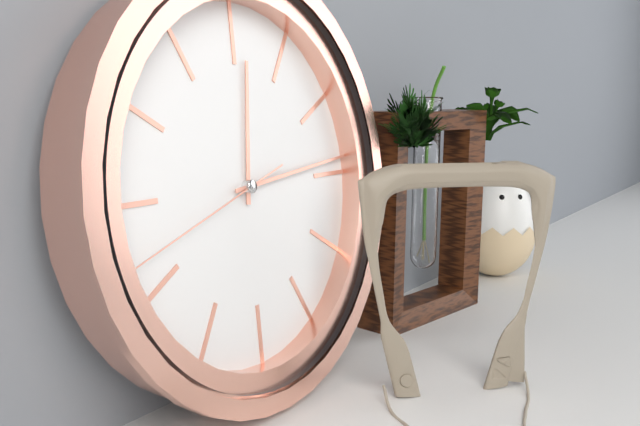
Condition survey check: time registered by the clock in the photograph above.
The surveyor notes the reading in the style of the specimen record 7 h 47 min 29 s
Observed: 12 h 14 min 42 s
